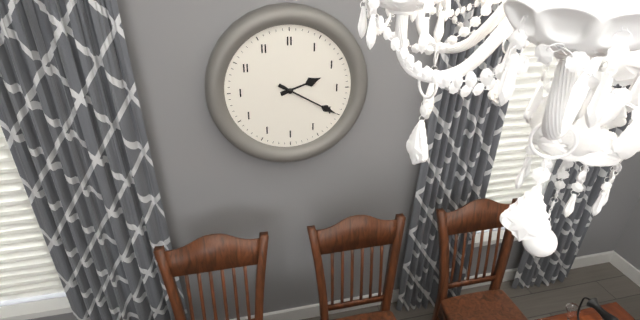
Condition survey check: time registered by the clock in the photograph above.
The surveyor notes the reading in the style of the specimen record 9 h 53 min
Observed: 2 h 20 min
